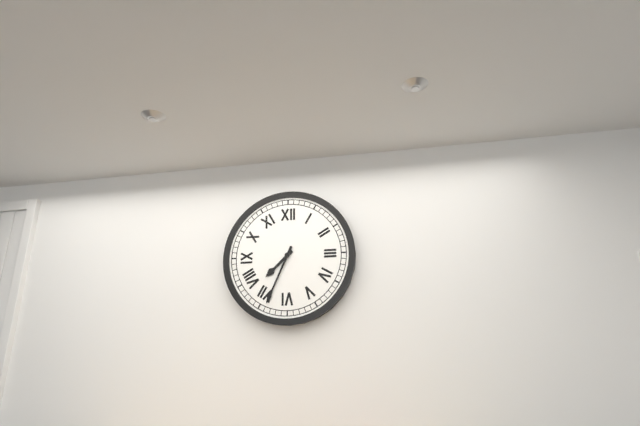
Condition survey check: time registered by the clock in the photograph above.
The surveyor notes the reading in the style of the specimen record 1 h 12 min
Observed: 7 h 34 min
